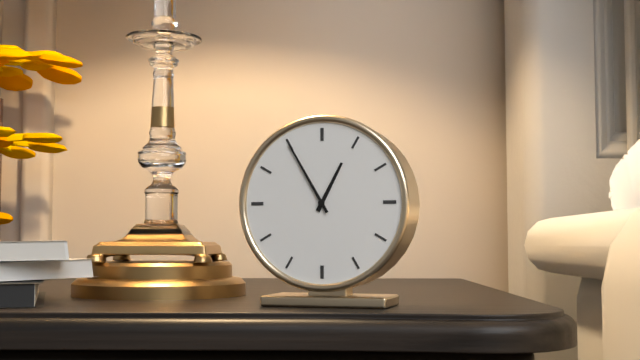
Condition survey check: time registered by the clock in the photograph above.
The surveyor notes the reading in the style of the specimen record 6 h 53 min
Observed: 12 h 55 min
